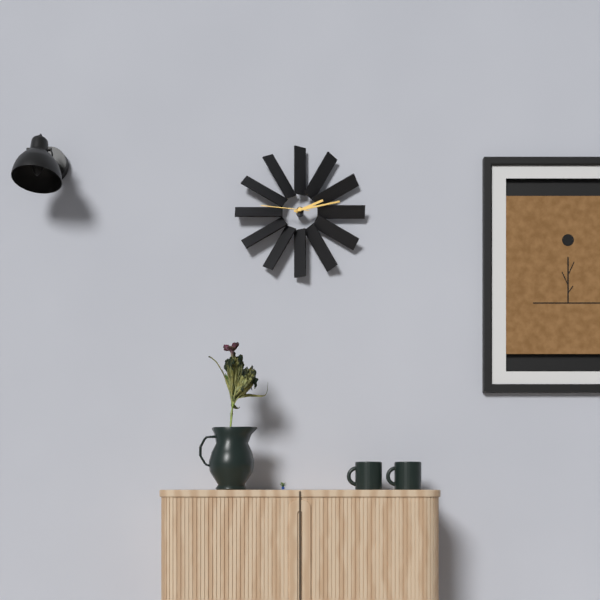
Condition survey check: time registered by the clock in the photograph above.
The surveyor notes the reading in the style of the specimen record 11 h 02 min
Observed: 2 h 13 min
